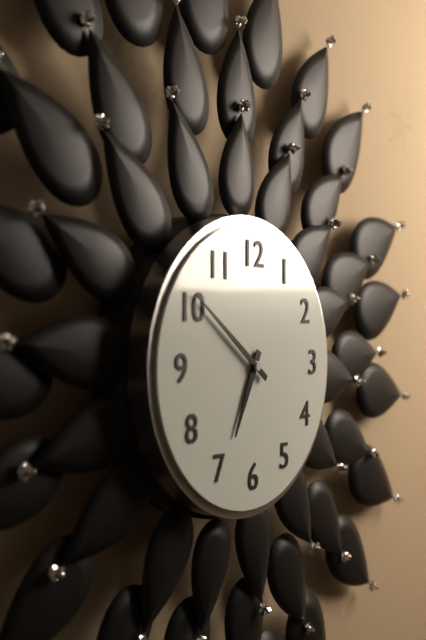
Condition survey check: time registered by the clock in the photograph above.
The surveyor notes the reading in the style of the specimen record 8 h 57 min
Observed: 6 h 51 min
